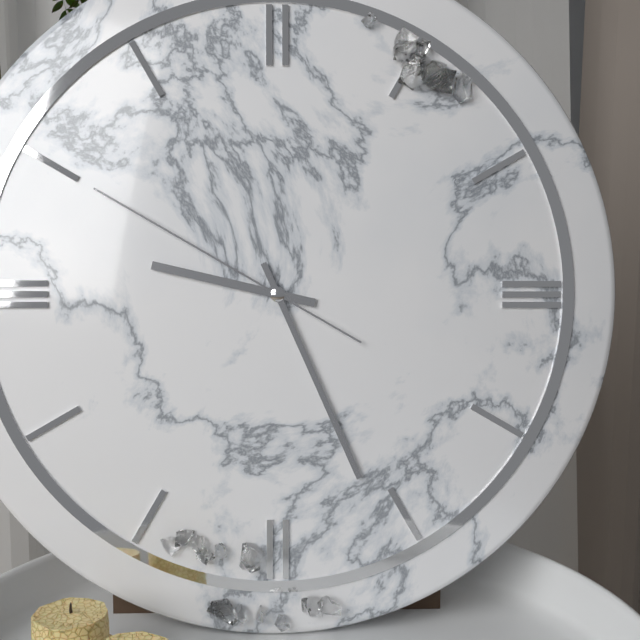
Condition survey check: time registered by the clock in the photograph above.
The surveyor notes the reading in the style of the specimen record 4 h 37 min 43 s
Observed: 9 h 26 min 50 s
